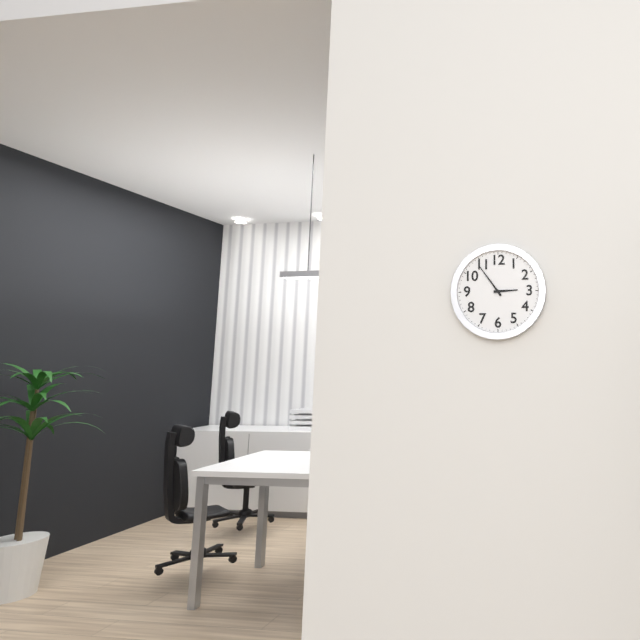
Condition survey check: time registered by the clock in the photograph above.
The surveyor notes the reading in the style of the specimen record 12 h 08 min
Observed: 2 h 54 min
